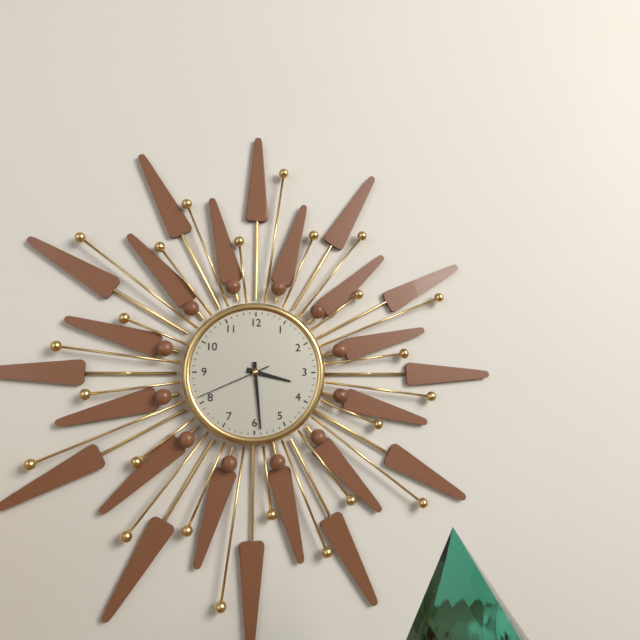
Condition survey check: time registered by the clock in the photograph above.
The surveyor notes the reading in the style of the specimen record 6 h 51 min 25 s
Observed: 3 h 29 min 41 s
